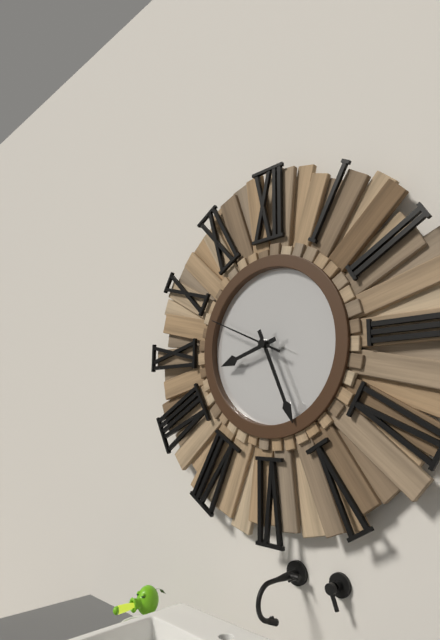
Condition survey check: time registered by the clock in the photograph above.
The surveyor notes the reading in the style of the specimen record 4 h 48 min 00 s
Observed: 8 h 26 min 49 s
